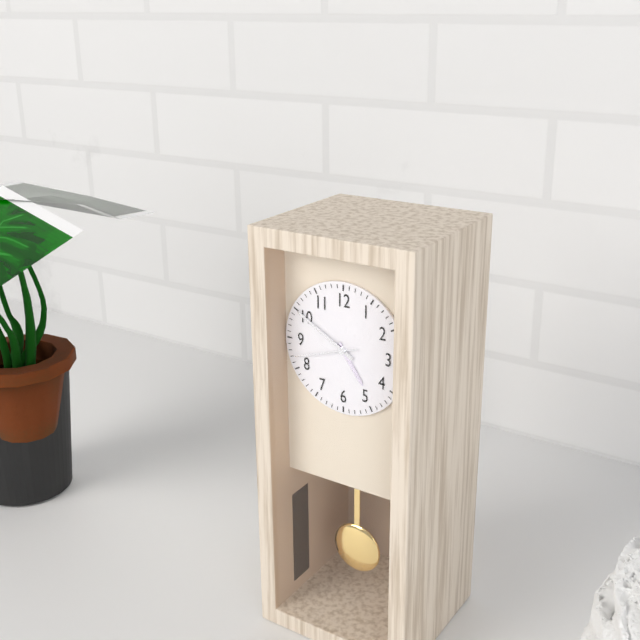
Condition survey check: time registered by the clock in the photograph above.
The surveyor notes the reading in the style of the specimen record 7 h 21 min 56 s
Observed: 4 h 50 min 42 s
